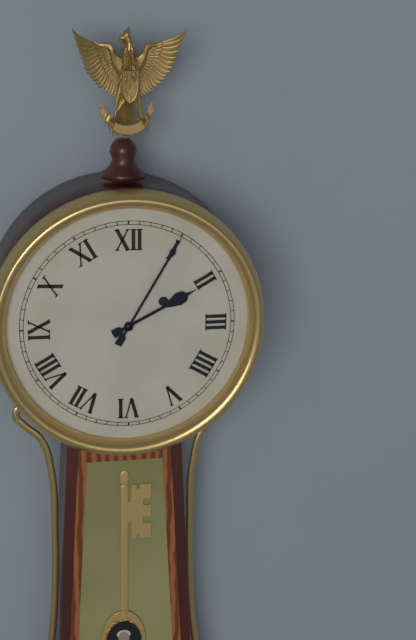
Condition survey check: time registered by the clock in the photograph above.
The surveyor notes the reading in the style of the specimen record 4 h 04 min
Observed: 2 h 05 min
